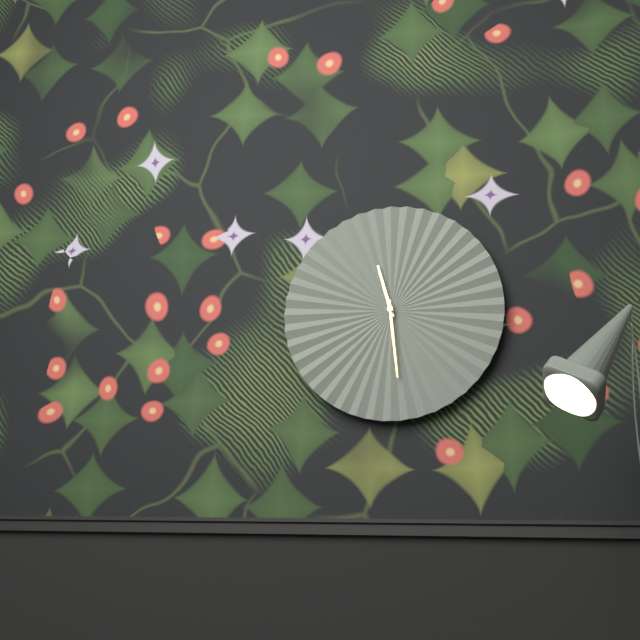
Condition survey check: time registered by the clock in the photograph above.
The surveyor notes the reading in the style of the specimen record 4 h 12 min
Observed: 11 h 29 min
